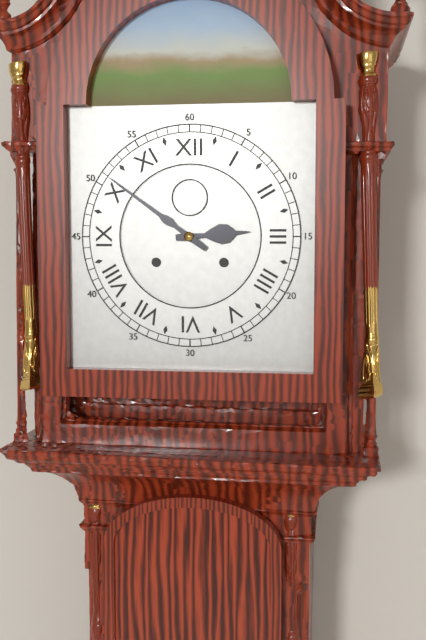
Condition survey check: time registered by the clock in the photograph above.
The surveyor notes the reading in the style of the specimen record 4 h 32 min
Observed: 2 h 51 min
